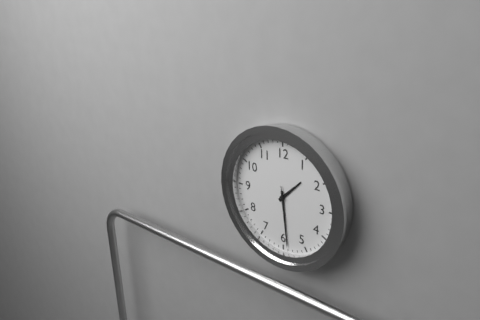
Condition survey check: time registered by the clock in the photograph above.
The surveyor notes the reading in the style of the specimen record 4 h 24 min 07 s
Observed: 1 h 29 min 29 s
